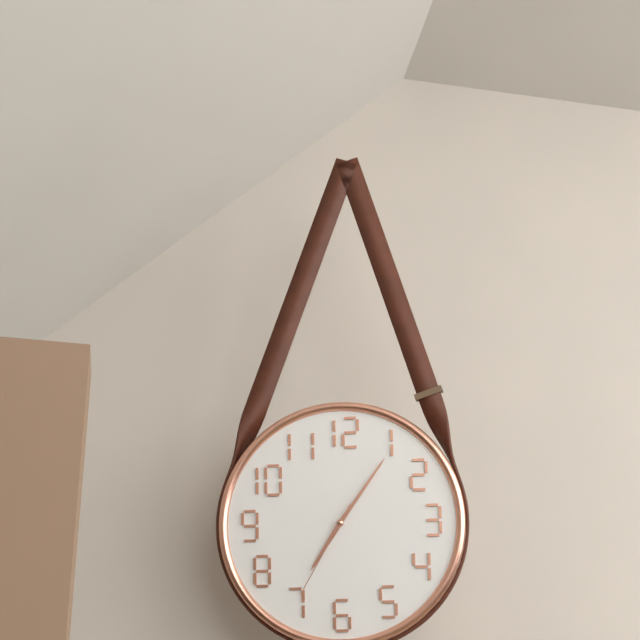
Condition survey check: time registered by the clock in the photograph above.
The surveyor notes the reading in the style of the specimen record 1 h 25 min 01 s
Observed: 7 h 06 min 35 s
